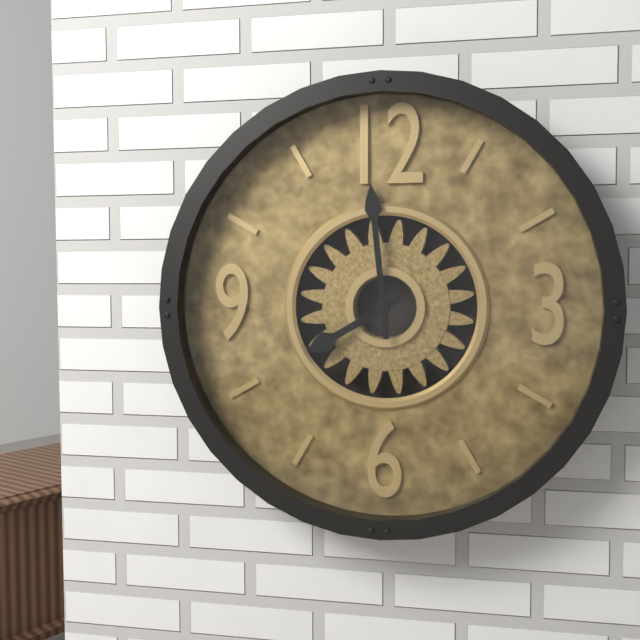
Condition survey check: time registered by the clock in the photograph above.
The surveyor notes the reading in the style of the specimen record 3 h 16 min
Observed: 7 h 59 min
